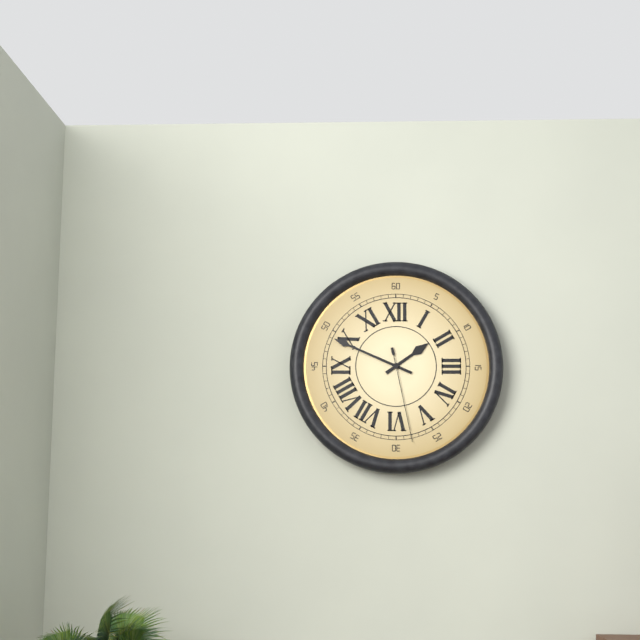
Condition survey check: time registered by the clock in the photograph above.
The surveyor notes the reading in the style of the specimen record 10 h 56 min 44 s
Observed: 1 h 49 min 28 s
